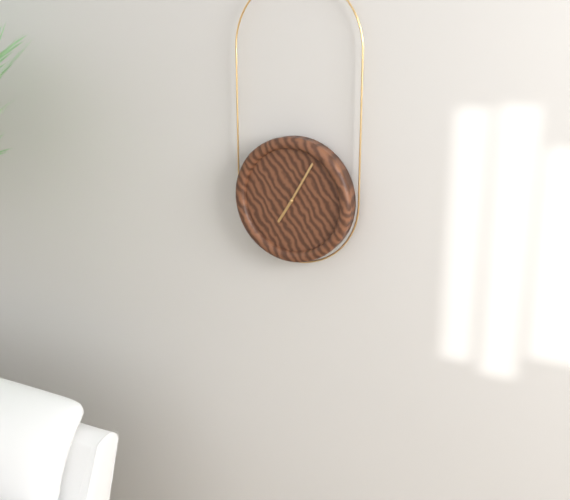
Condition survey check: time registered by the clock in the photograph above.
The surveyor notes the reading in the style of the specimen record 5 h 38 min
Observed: 7 h 05 min
